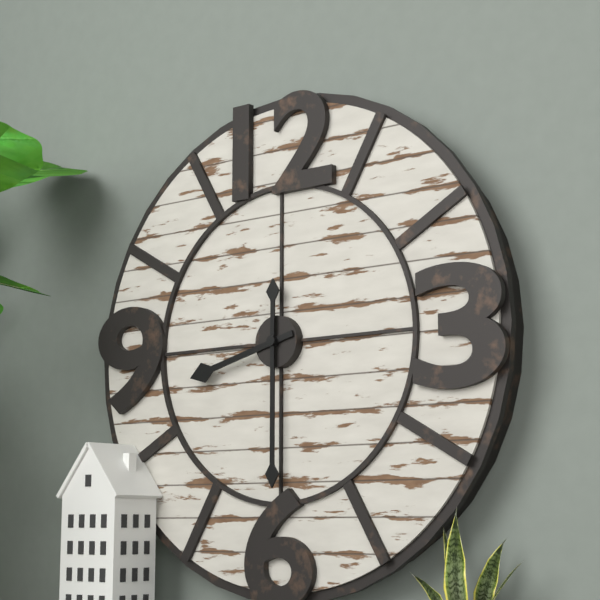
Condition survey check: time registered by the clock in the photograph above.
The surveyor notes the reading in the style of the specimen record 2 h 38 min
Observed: 8 h 30 min
